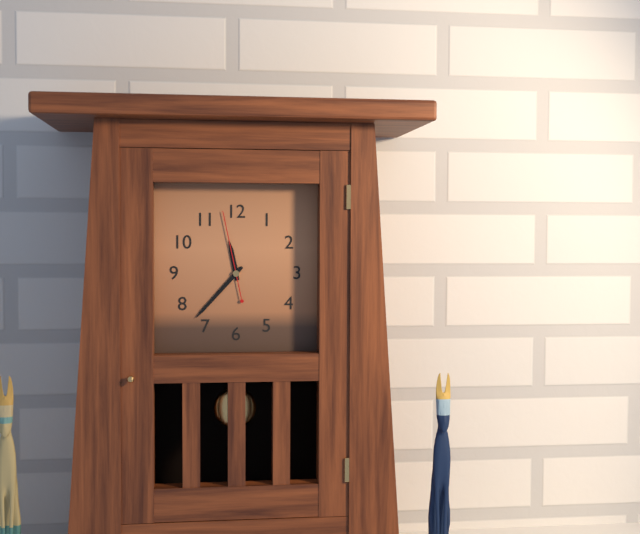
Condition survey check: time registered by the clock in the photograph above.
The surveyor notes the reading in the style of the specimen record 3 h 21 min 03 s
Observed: 11 h 37 min 58 s
